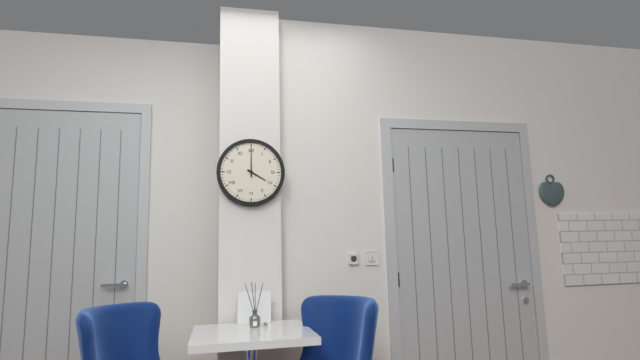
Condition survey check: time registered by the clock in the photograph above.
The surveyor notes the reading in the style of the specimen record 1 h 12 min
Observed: 4 h 00 min
